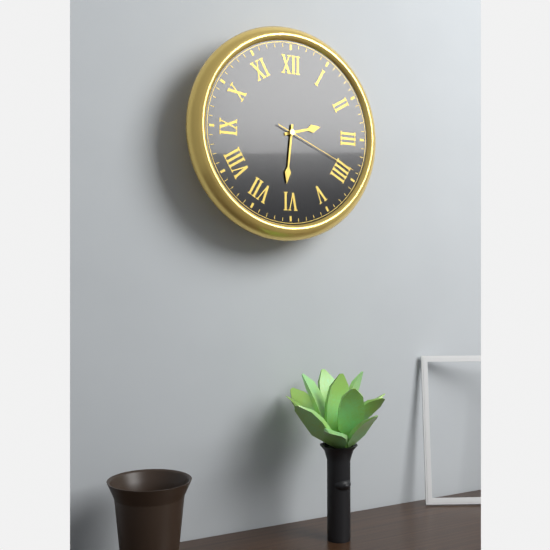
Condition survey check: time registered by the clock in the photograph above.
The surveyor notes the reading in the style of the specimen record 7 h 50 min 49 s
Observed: 2 h 31 min 19 s
